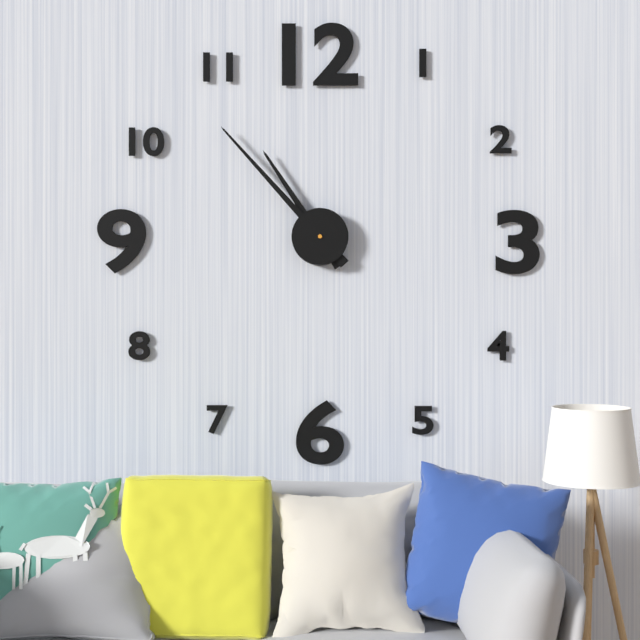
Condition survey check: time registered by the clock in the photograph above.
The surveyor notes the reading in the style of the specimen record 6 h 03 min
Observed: 10 h 53 min
